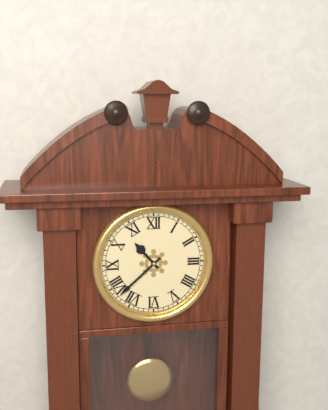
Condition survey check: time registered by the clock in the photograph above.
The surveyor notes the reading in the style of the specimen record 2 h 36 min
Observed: 10 h 38 min
